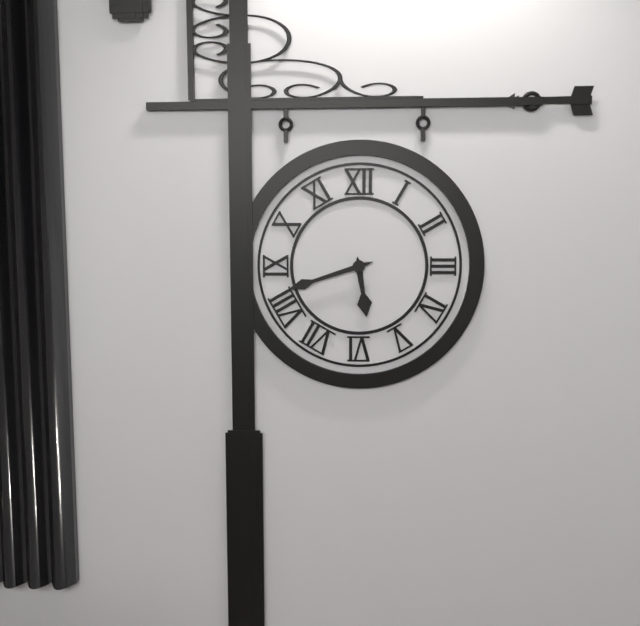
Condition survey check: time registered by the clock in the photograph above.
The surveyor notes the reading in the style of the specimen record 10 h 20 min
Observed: 5 h 42 min
